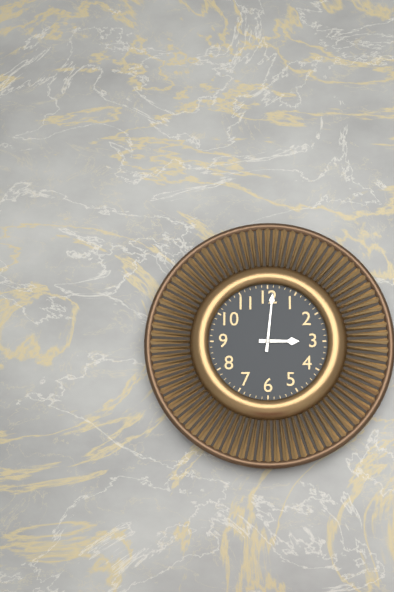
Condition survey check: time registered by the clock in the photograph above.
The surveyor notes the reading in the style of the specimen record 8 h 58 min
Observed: 3 h 01 min
